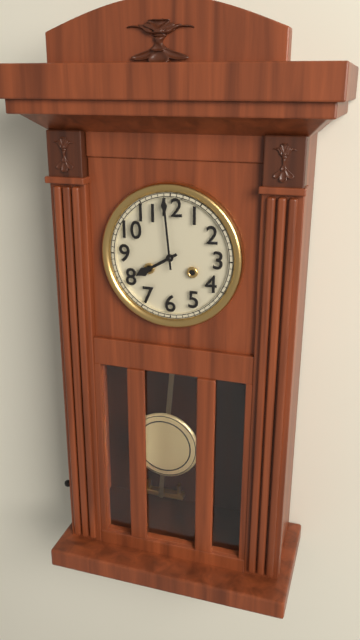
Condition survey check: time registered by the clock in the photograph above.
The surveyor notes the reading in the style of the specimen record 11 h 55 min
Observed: 7 h 59 min
